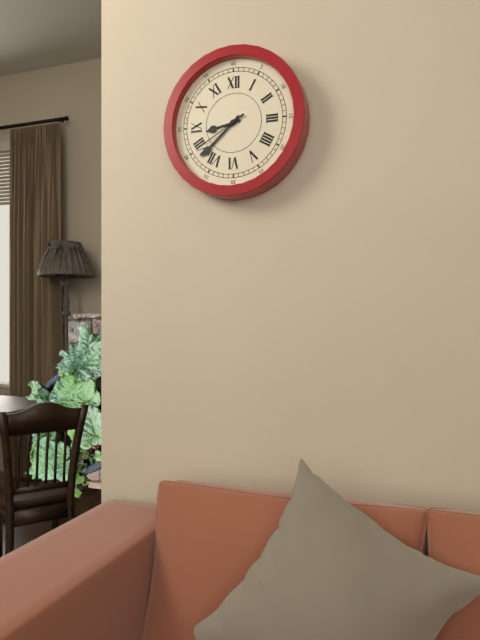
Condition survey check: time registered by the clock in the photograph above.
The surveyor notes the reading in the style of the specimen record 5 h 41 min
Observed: 8 h 38 min
